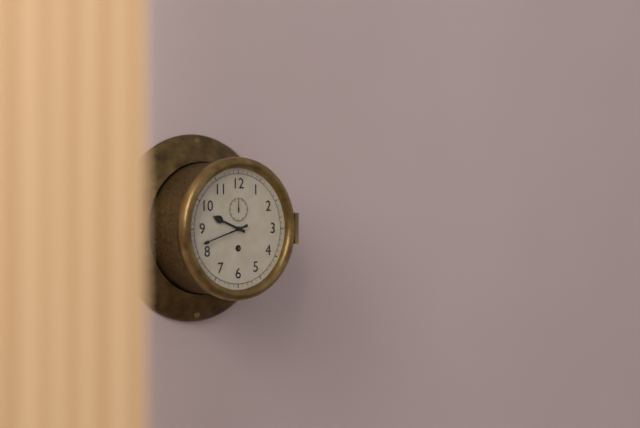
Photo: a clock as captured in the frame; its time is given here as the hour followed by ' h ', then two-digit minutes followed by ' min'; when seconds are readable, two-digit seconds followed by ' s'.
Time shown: 9 h 42 min
